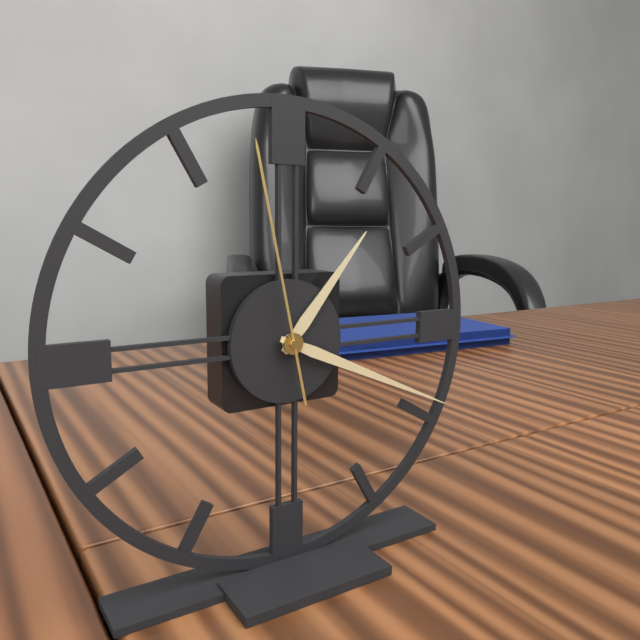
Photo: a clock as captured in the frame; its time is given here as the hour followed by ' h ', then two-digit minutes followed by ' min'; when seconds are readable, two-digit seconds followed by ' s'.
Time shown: 1 h 19 min 58 s
